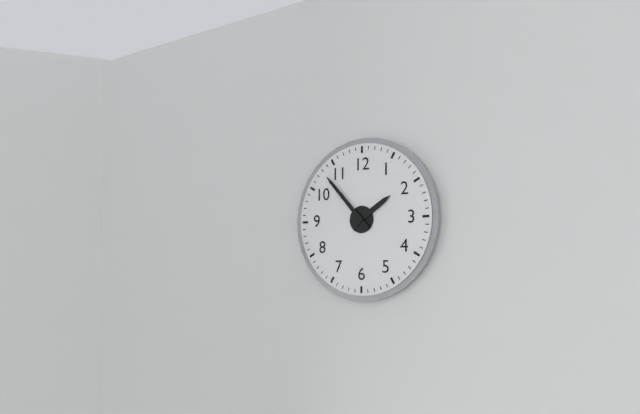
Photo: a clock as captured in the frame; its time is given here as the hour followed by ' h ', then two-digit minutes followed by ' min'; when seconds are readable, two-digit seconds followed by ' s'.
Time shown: 1 h 53 min
